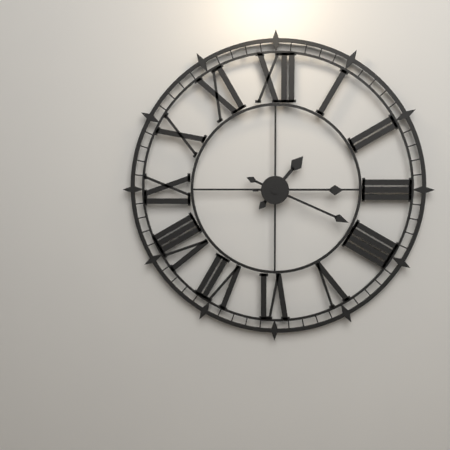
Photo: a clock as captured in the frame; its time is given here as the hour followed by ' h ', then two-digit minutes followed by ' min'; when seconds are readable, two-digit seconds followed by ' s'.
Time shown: 1 h 19 min 15 s
